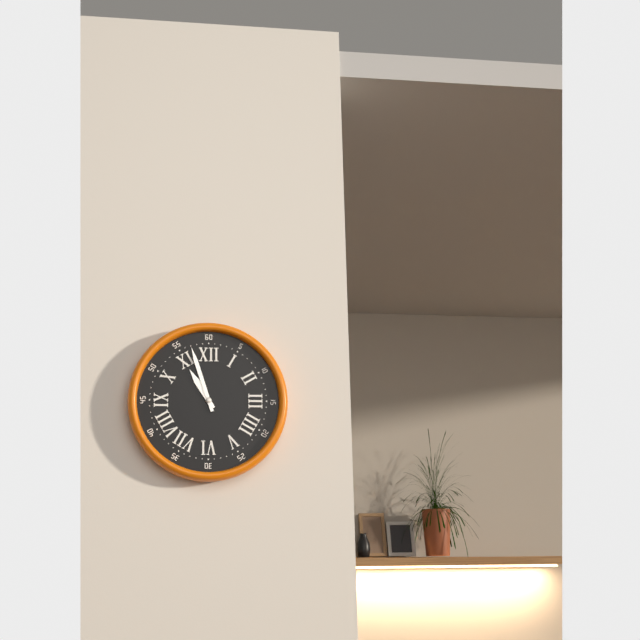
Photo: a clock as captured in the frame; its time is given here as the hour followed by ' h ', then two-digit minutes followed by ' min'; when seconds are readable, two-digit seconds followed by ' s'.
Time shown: 10 h 57 min
